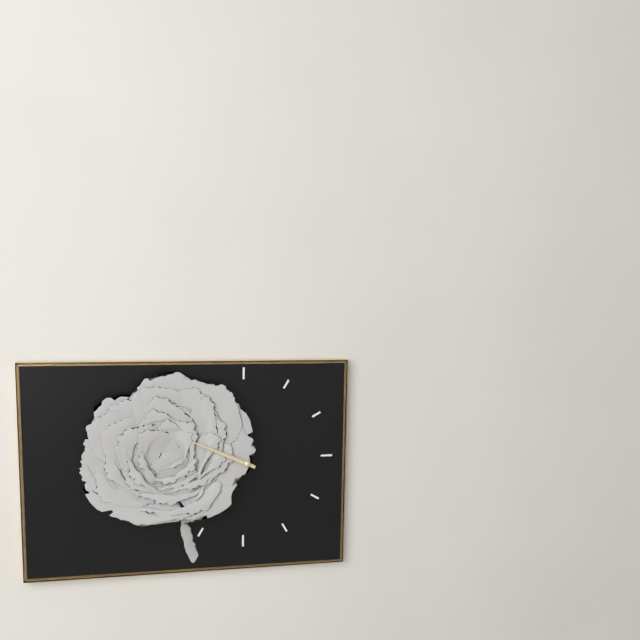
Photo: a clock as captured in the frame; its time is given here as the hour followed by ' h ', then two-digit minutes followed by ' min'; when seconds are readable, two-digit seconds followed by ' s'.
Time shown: 9 h 49 min
